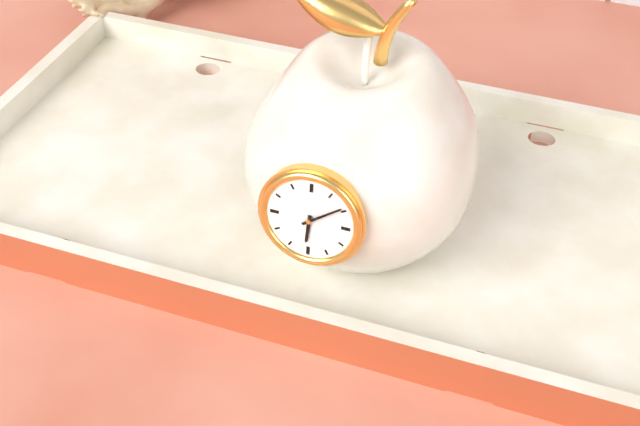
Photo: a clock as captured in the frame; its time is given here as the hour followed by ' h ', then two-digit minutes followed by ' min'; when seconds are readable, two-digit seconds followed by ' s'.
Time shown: 6 h 09 min
